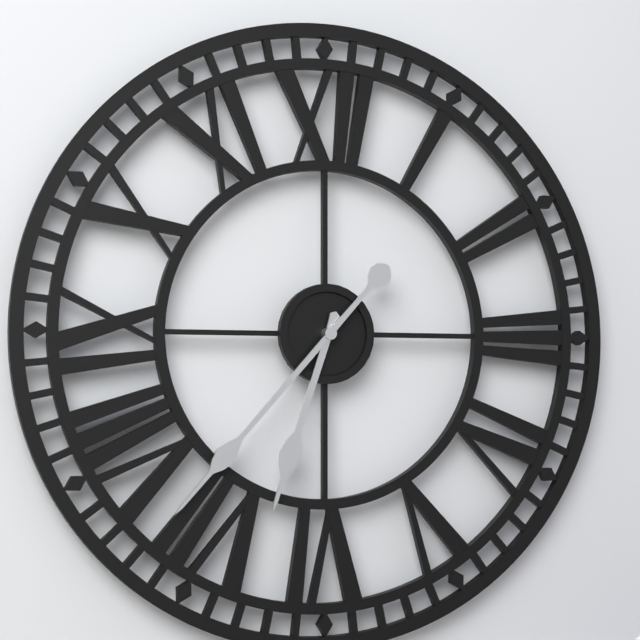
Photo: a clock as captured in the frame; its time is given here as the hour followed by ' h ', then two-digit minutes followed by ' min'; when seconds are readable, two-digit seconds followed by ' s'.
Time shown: 6 h 37 min
